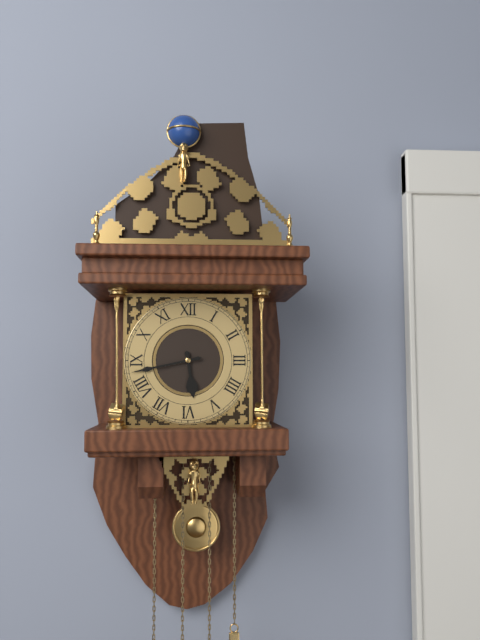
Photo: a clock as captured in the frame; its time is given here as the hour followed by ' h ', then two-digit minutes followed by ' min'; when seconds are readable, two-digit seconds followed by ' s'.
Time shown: 5 h 43 min
